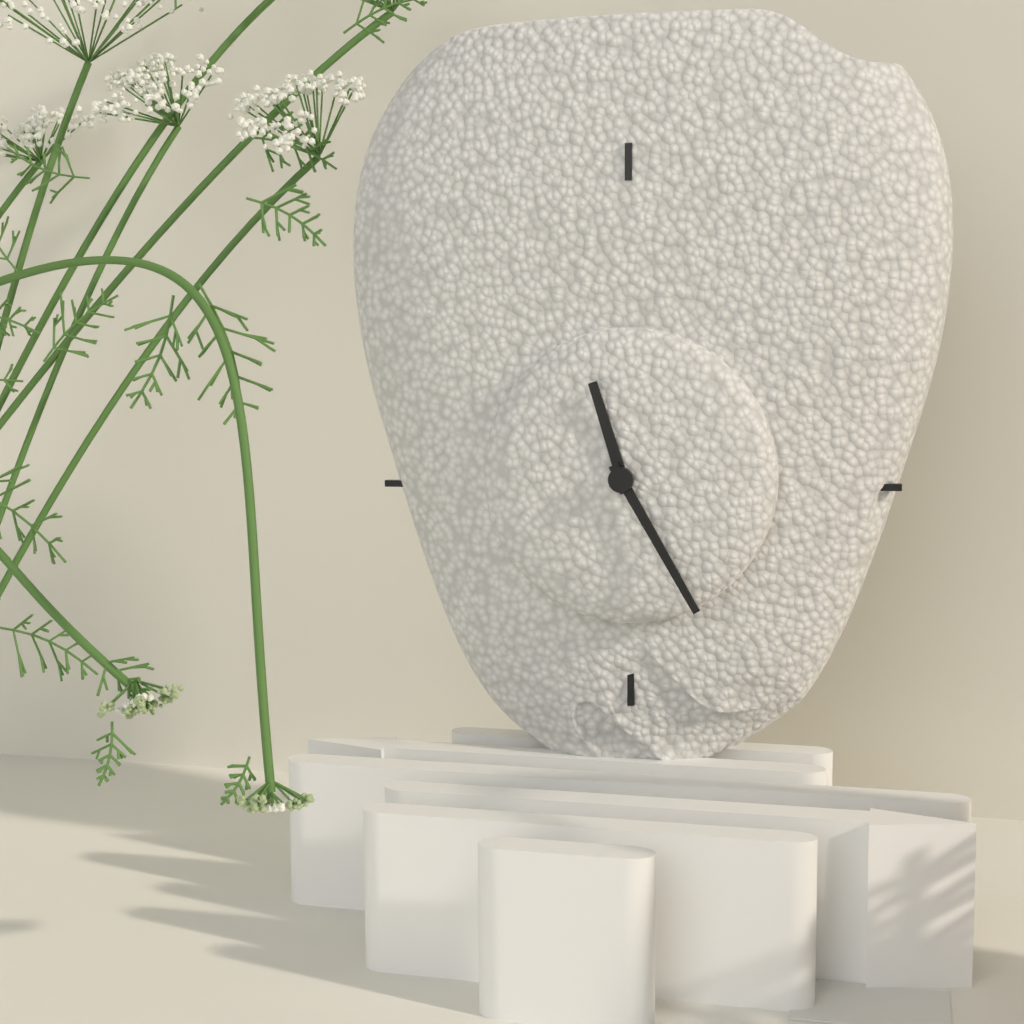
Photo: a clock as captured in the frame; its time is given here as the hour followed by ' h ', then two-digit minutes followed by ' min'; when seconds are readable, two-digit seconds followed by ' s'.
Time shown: 11 h 25 min
